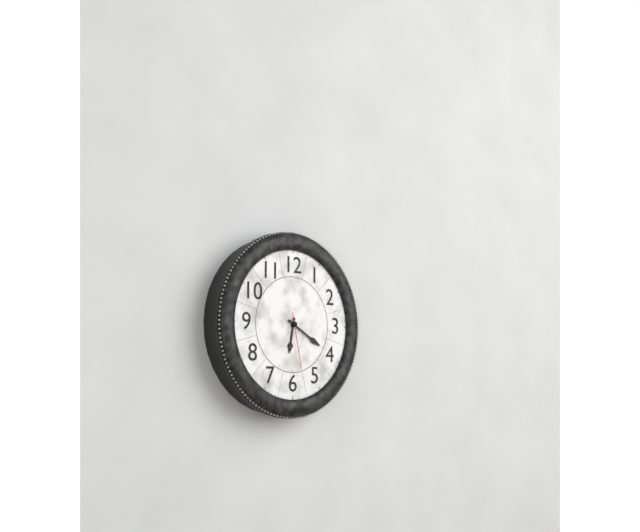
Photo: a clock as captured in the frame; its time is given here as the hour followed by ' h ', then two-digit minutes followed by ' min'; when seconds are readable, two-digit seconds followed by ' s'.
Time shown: 6 h 20 min 28 s
